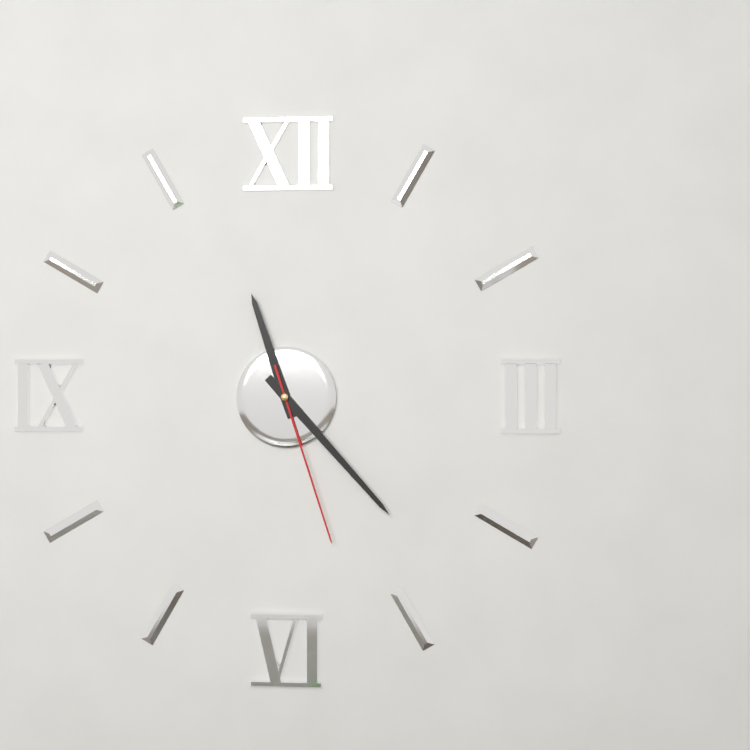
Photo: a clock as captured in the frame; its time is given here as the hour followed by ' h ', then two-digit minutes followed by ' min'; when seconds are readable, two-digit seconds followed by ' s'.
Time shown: 11 h 23 min 27 s
